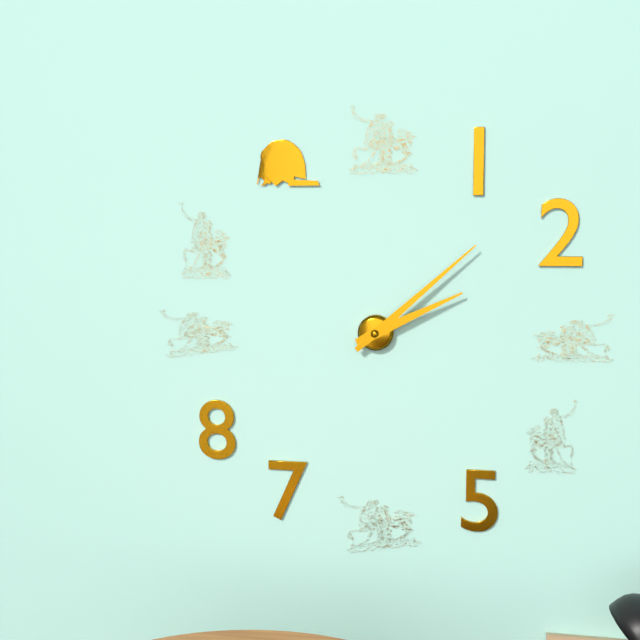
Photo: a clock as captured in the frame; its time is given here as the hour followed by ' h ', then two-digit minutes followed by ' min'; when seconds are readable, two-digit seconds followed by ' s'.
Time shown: 2 h 08 min
